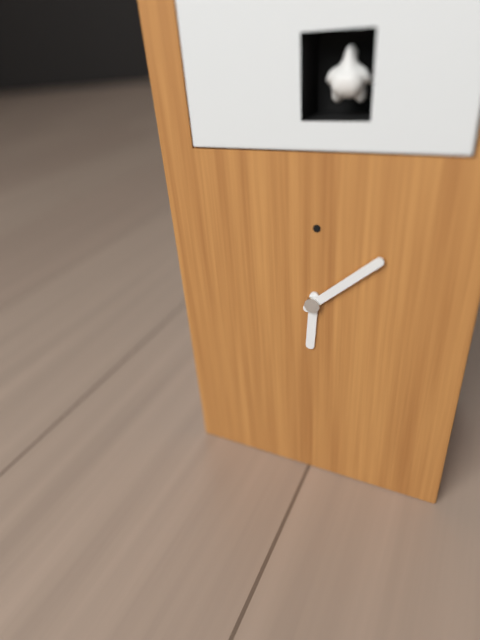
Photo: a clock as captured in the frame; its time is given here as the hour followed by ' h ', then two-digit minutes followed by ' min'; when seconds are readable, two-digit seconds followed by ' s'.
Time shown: 6 h 08 min
